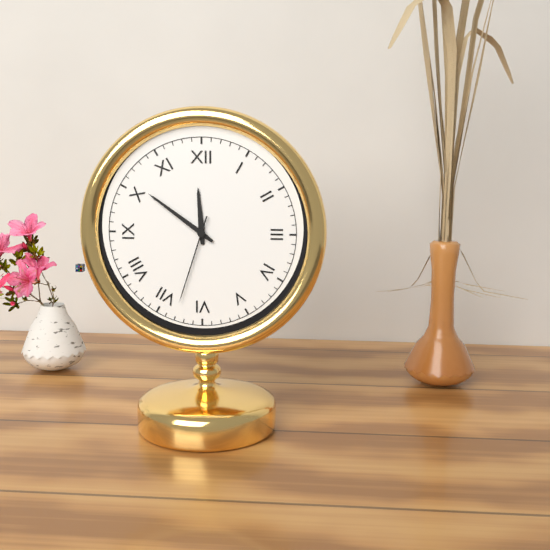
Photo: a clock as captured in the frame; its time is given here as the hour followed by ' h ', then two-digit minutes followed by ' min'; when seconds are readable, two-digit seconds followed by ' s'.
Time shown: 11 h 51 min 33 s
